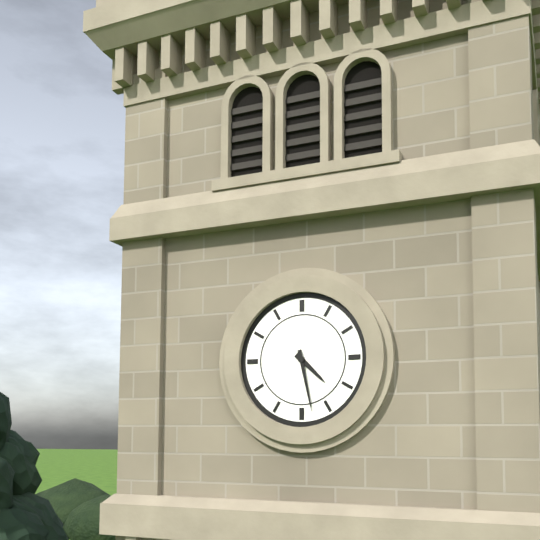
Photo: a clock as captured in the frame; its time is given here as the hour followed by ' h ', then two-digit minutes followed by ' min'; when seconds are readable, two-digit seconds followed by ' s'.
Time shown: 4 h 28 min
